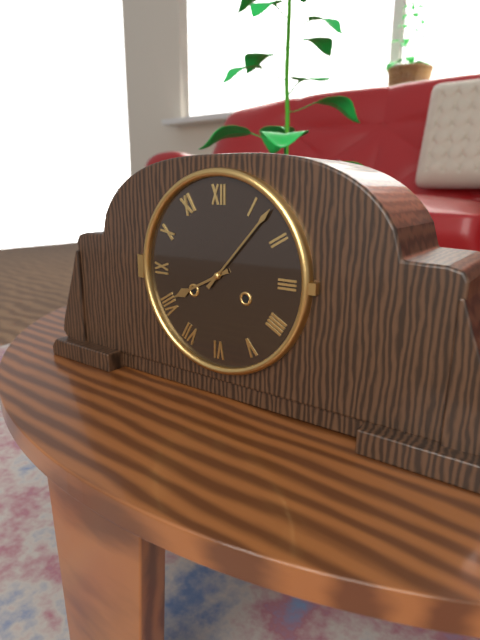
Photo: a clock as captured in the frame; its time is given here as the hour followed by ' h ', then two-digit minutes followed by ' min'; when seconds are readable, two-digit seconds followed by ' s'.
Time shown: 8 h 07 min
